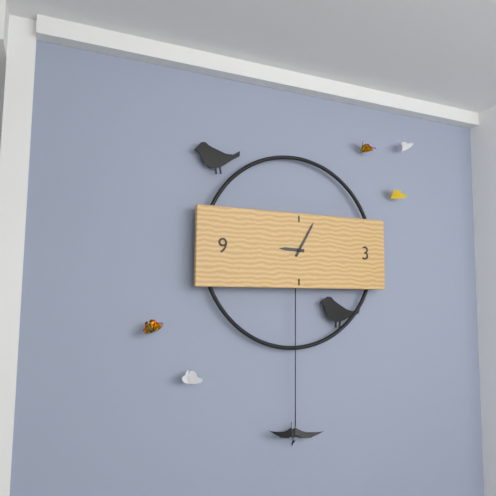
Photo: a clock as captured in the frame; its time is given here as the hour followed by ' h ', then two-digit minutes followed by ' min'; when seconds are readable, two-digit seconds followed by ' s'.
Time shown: 9 h 05 min
